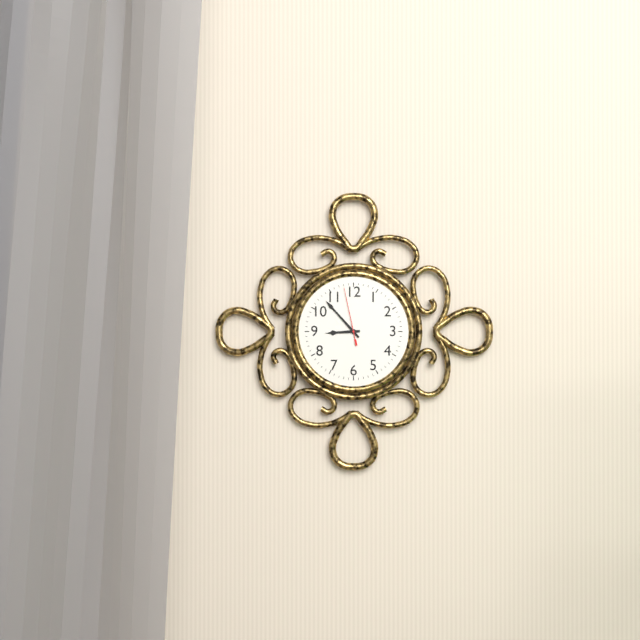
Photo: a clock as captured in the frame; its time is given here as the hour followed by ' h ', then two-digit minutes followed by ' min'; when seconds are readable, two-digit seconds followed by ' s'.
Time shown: 8 h 53 min 58 s
